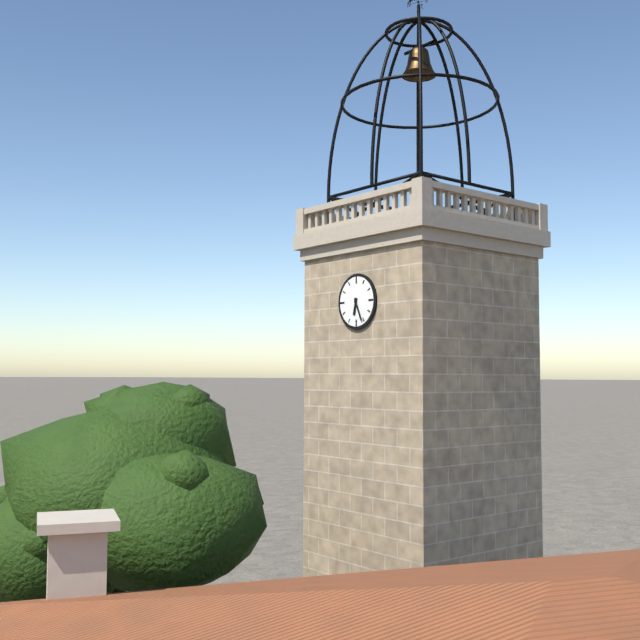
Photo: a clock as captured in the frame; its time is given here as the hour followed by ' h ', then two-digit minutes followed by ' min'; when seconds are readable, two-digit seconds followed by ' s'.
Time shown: 6 h 26 min
